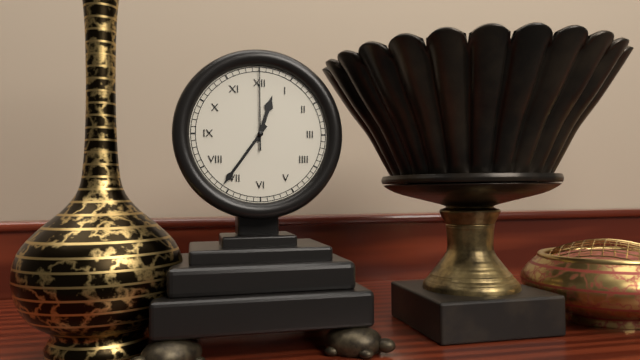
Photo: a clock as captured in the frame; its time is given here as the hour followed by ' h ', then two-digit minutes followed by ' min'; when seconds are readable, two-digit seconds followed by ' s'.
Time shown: 12 h 36 min 00 s
